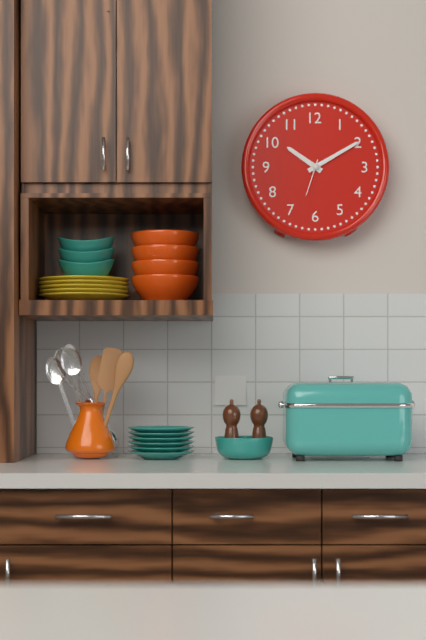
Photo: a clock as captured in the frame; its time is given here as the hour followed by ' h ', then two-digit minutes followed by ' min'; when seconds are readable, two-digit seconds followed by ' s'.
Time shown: 10 h 10 min
